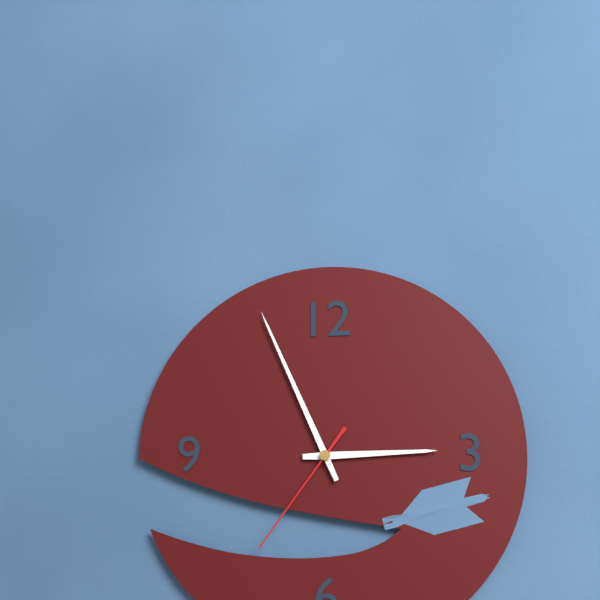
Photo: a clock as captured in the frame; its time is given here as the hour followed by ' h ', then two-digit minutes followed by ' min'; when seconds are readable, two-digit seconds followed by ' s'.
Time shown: 2 h 56 min 36 s
